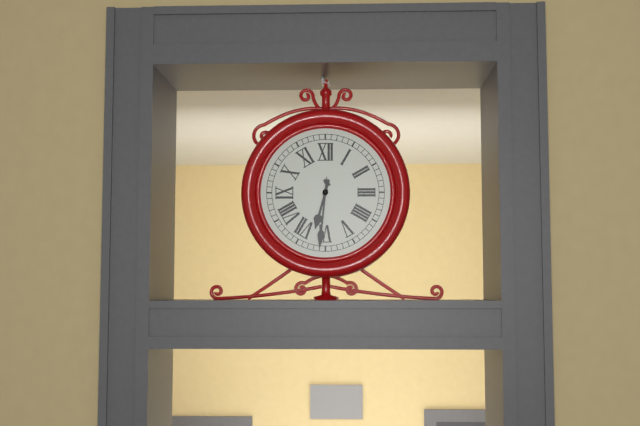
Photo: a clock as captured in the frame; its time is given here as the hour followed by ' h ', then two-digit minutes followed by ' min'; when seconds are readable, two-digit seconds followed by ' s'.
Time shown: 6 h 31 min
